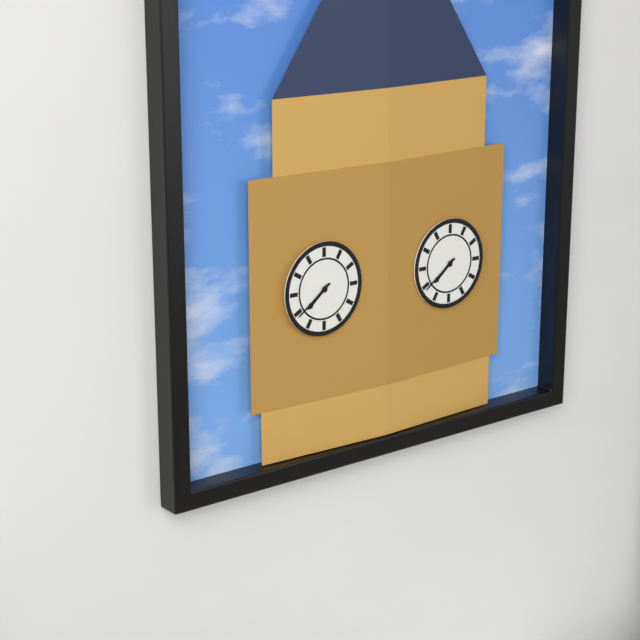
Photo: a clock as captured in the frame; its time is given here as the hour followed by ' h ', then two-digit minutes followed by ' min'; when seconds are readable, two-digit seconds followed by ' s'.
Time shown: 7 h 39 min
